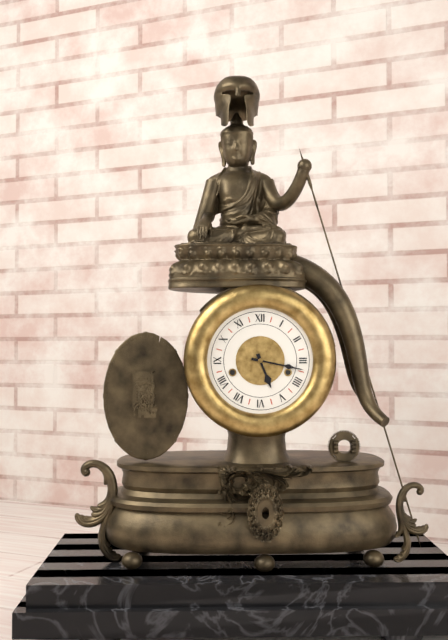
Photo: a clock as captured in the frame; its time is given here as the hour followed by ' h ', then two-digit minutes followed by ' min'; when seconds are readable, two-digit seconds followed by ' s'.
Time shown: 5 h 17 min
